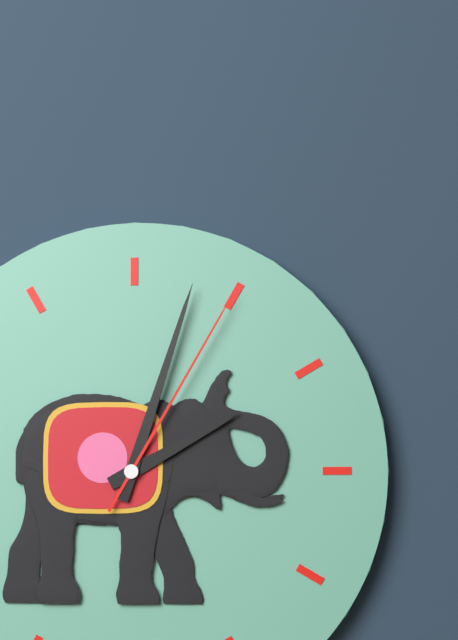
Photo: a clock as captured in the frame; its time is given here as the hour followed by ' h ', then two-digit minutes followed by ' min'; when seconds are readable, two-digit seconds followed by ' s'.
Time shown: 2 h 03 min 05 s
